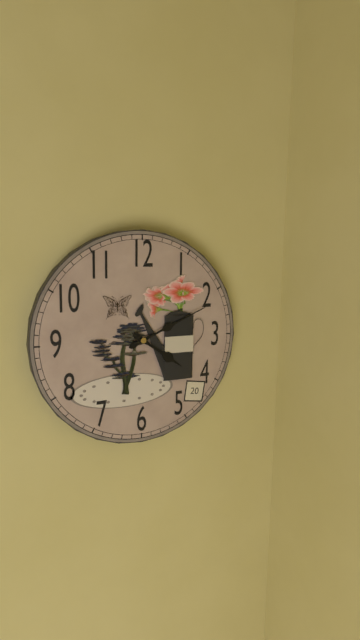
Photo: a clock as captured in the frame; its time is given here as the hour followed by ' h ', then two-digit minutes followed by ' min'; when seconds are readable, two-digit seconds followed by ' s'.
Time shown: 4 h 11 min
